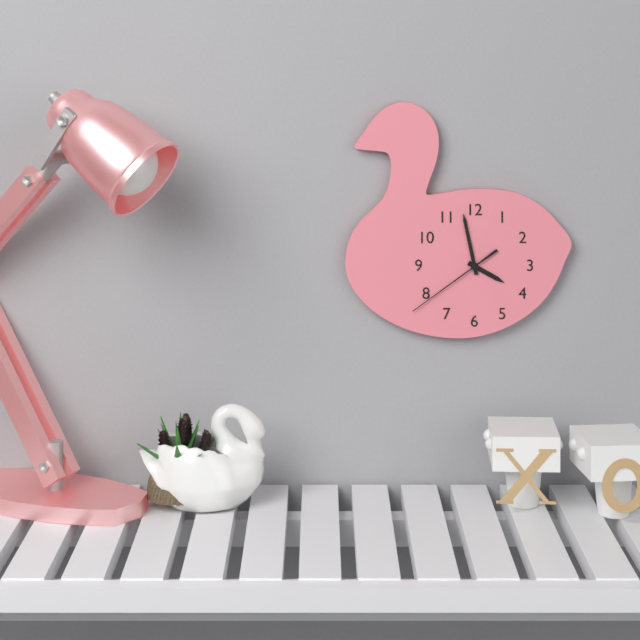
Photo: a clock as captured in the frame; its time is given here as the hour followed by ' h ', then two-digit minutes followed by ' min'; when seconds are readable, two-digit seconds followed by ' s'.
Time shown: 3 h 58 min 39 s
